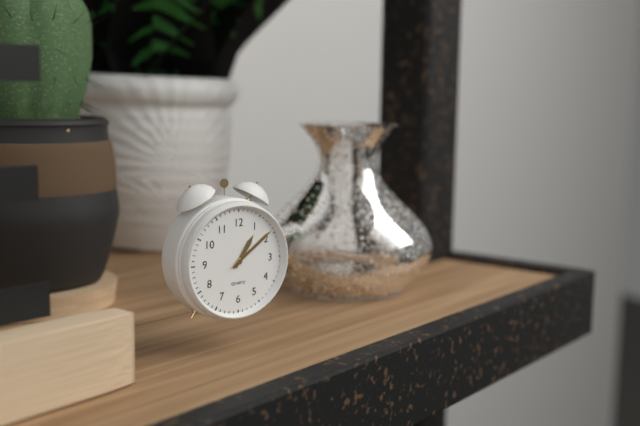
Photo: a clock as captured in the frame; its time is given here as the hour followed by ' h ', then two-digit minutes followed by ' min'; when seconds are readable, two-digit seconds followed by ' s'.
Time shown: 1 h 09 min
